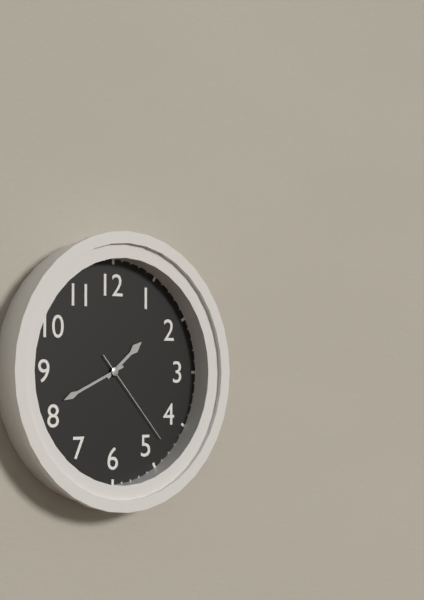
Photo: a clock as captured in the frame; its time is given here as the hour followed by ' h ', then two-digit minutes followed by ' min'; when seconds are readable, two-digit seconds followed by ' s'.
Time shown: 1 h 41 min 23 s
